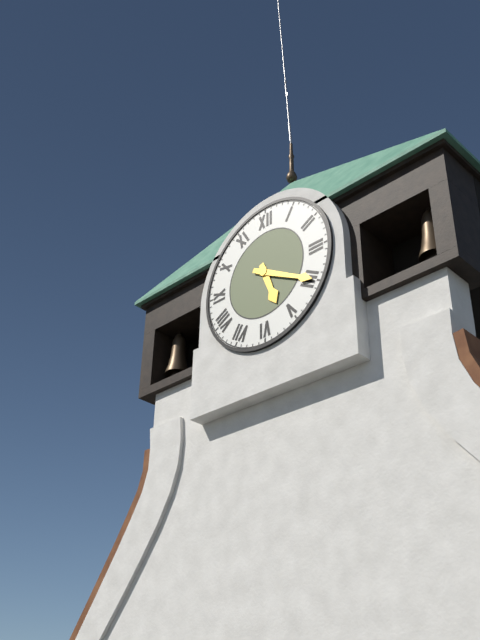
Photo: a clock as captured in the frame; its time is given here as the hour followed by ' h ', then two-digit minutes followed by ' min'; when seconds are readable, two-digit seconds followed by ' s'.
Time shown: 5 h 20 min
